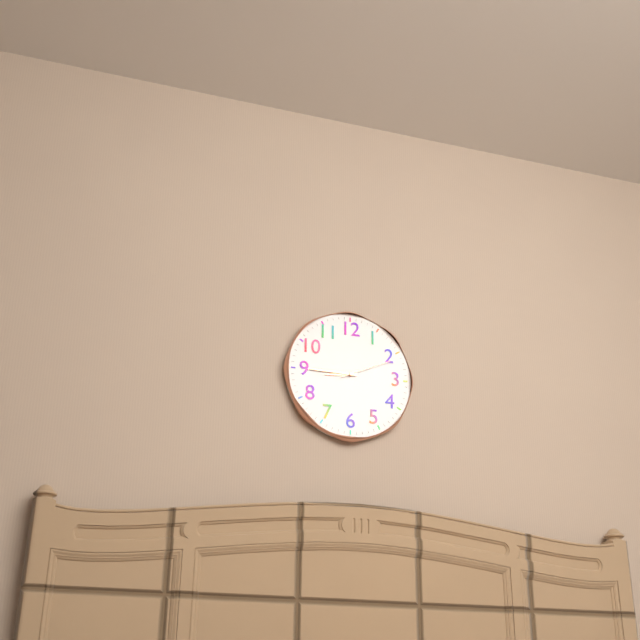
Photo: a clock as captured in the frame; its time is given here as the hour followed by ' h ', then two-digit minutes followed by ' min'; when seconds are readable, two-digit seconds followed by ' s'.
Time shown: 8 h 45 min 11 s
